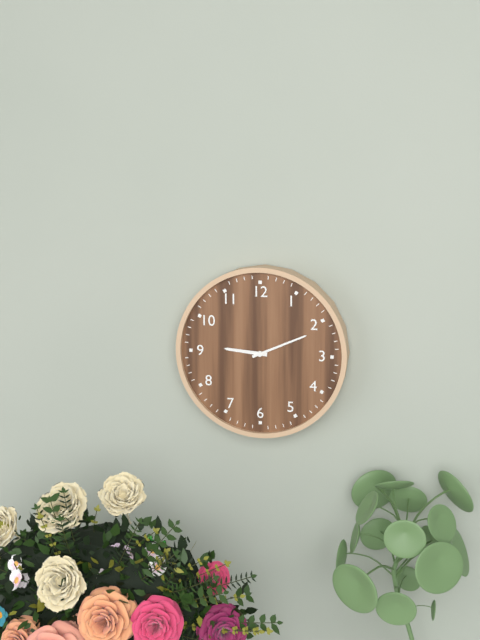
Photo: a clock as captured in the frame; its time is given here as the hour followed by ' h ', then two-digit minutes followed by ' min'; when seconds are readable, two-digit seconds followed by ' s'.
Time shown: 9 h 11 min
